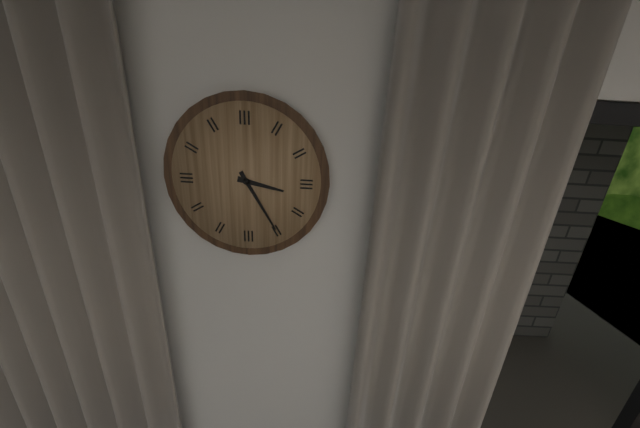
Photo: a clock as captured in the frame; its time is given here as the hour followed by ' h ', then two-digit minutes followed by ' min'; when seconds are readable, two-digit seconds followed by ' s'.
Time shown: 3 h 25 min
